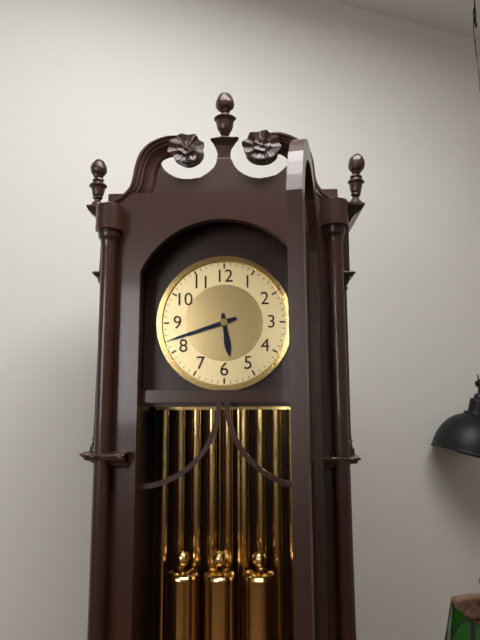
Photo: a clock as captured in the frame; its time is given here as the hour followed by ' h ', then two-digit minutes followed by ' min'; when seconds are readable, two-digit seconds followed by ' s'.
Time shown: 5 h 42 min
